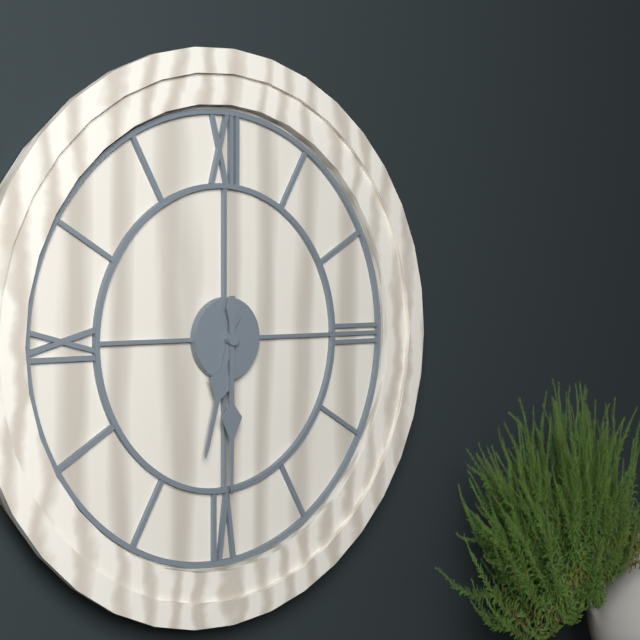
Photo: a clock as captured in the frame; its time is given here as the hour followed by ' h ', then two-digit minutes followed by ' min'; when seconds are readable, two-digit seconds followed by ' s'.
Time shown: 6 h 30 min
